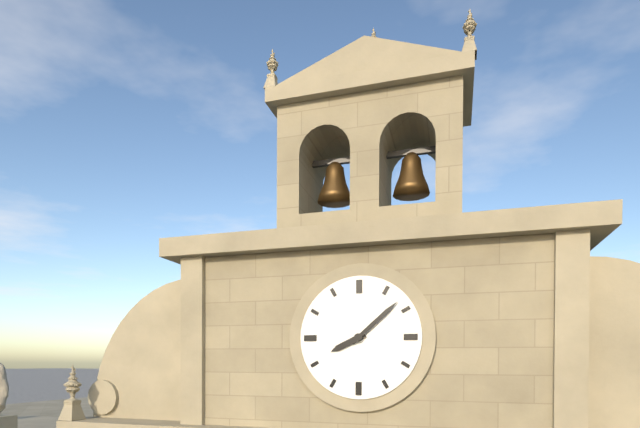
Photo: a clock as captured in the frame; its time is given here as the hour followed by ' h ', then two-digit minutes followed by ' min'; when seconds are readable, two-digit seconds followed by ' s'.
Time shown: 8 h 08 min
